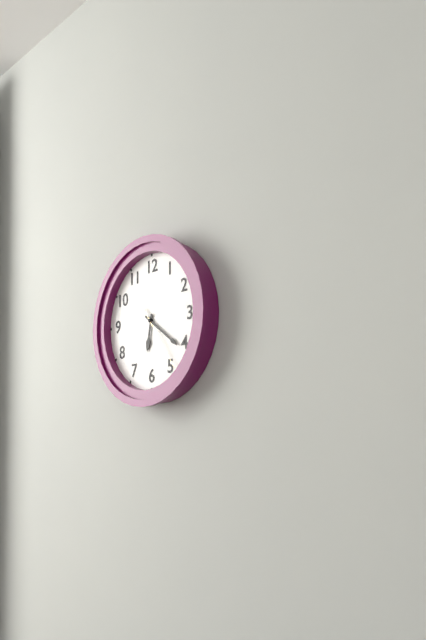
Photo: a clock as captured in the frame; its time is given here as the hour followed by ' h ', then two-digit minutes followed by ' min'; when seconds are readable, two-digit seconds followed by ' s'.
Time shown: 6 h 21 min 24 s
